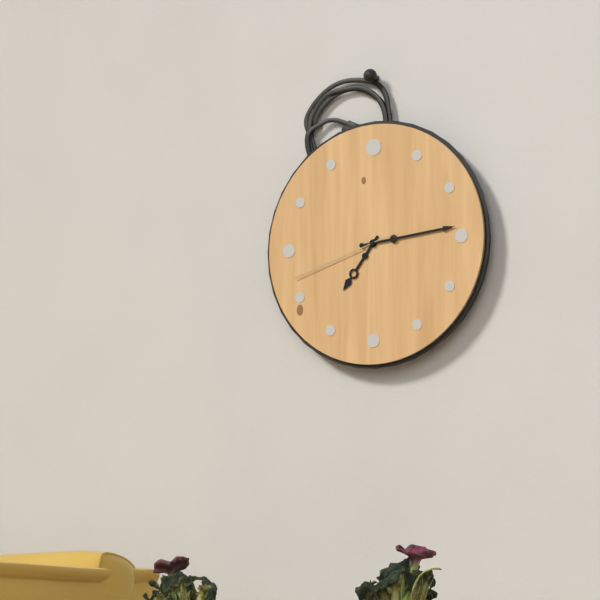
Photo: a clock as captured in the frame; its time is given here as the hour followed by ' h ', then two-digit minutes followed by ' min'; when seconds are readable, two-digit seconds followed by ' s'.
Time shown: 7 h 14 min 42 s
